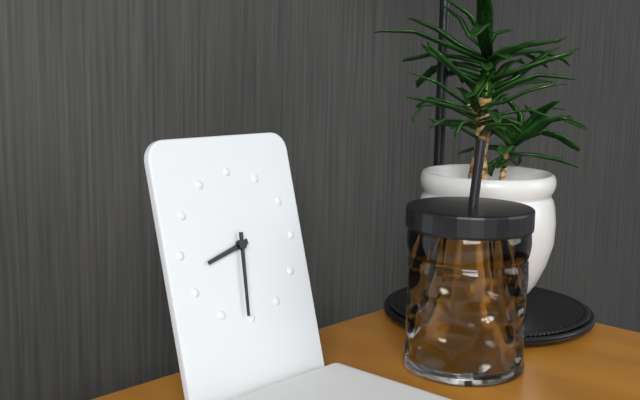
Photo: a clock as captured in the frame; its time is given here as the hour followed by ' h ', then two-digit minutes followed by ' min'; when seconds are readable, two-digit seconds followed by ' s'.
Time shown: 8 h 31 min
